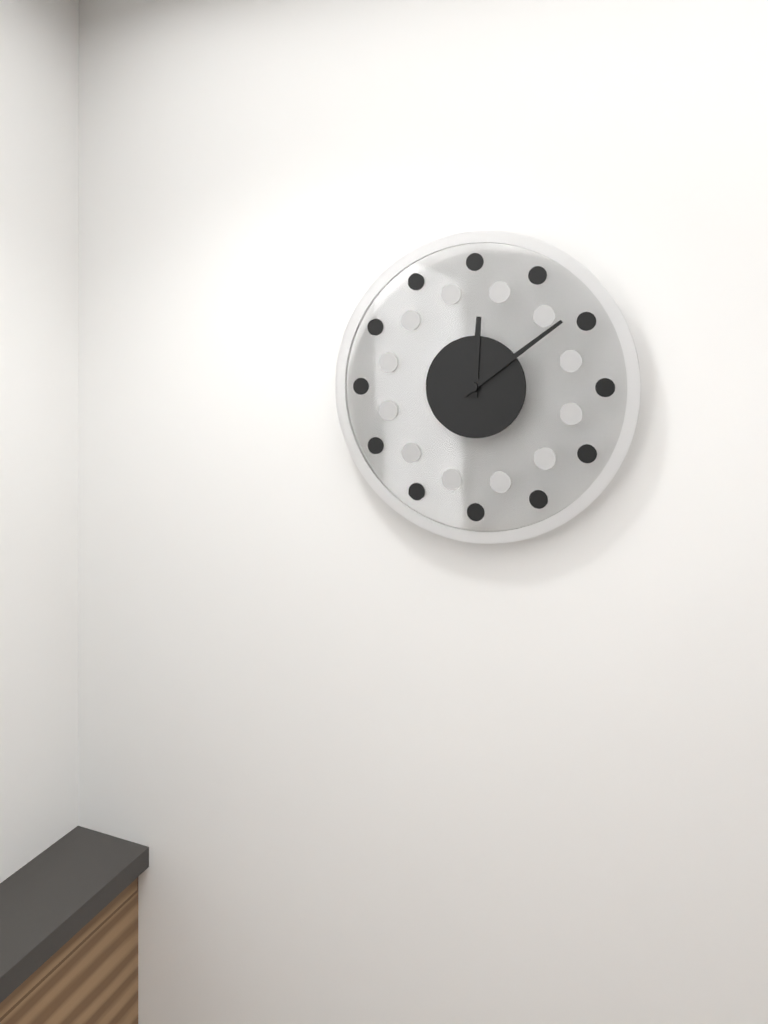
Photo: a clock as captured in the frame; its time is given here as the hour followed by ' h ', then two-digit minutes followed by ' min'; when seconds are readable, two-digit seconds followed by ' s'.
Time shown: 12 h 09 min
